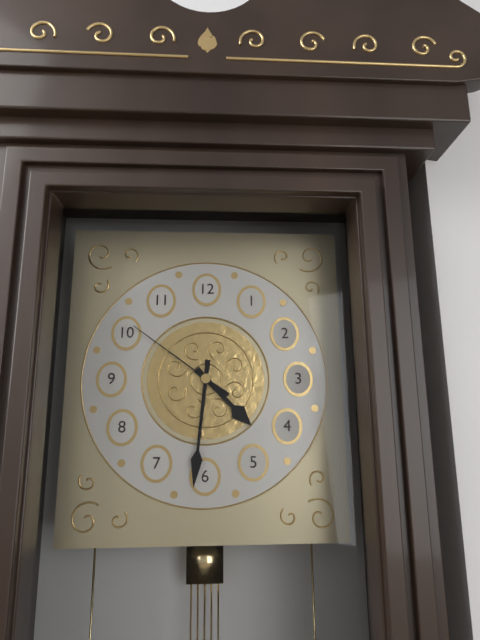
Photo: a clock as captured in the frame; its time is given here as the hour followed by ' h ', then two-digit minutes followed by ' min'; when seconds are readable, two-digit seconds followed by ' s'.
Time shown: 4 h 31 min 51 s
